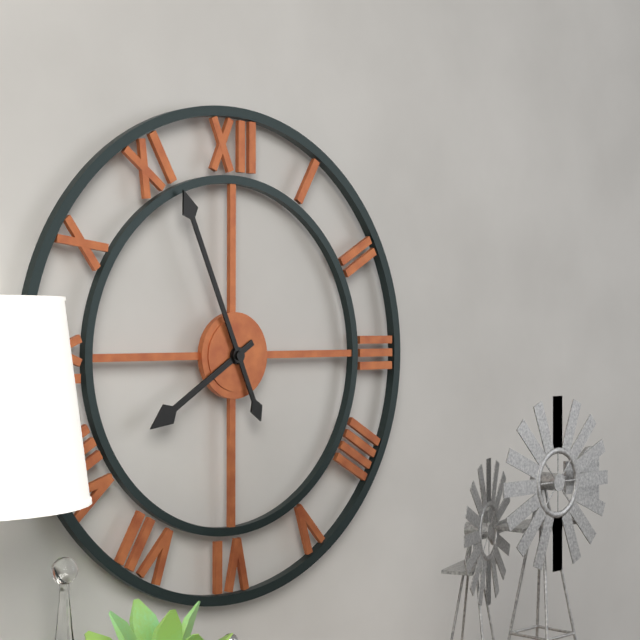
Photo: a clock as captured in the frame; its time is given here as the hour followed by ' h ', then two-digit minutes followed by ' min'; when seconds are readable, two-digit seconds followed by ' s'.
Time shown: 7 h 56 min
